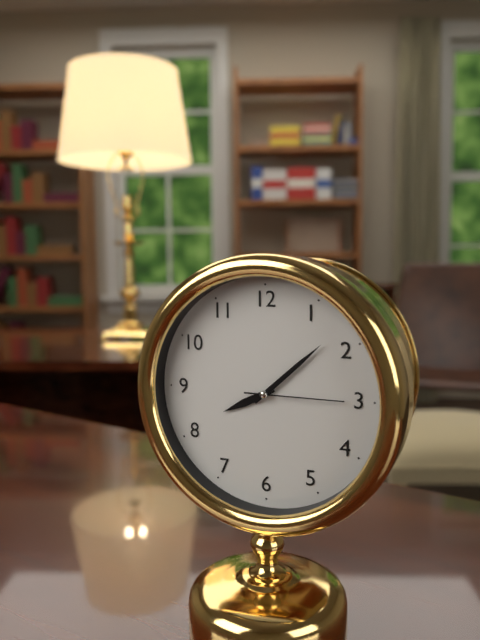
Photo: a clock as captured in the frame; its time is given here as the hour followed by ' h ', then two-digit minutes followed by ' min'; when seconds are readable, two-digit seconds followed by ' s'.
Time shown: 8 h 08 min 15 s
